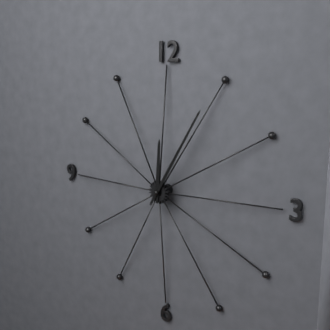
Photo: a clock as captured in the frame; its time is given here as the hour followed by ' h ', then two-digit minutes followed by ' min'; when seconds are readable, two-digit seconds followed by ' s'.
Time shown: 12 h 05 min
